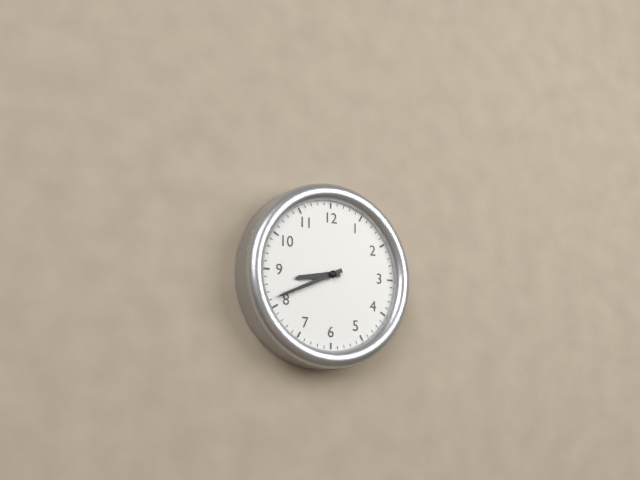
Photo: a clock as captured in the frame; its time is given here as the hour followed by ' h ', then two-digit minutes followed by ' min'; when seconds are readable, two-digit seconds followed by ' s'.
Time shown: 8 h 41 min
